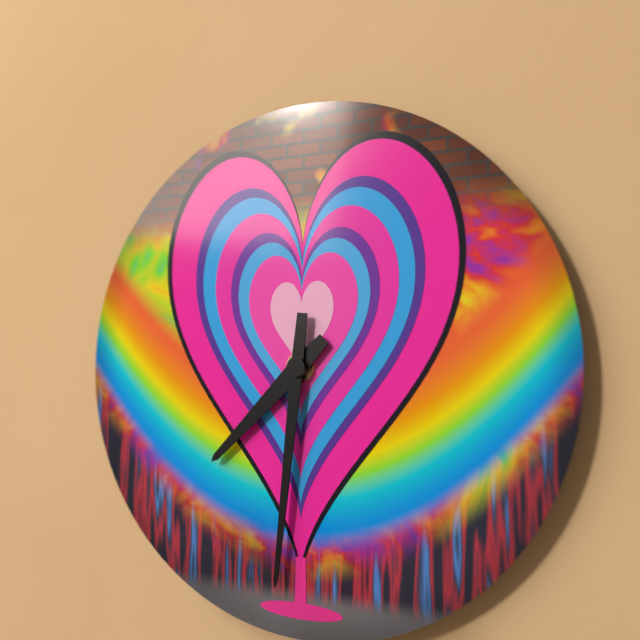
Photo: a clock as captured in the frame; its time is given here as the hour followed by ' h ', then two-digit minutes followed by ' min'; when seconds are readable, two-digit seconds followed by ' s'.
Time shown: 7 h 31 min
